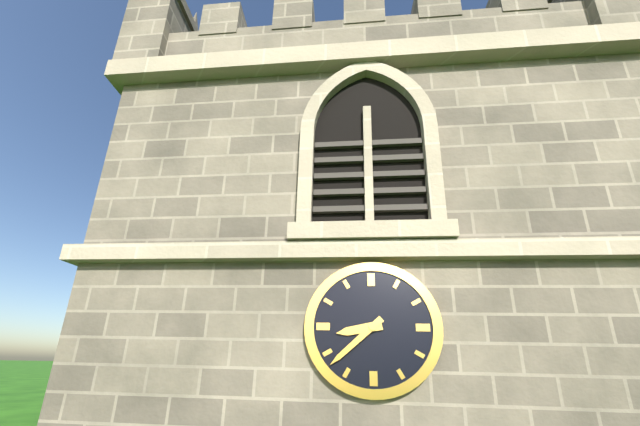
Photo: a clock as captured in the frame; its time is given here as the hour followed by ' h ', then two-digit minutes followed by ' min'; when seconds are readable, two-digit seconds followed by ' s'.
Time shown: 8 h 38 min
